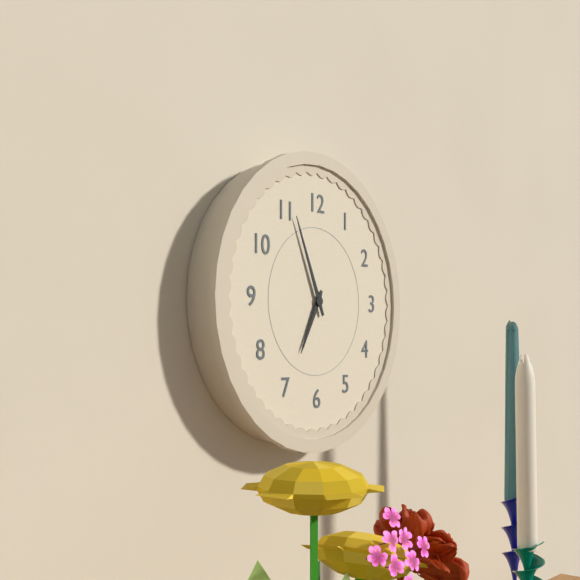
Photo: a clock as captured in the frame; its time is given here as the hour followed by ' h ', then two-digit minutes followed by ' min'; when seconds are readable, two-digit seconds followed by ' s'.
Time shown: 6 h 56 min
